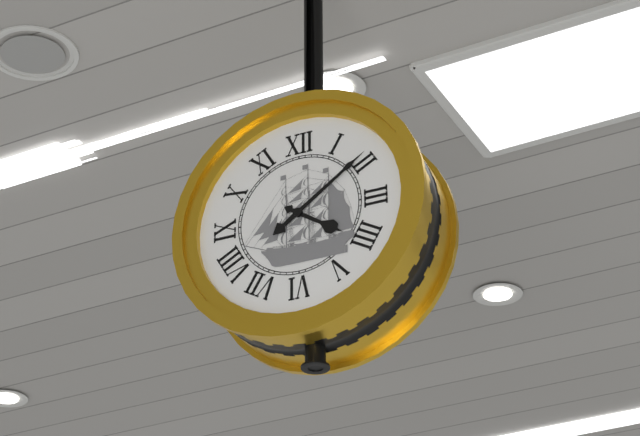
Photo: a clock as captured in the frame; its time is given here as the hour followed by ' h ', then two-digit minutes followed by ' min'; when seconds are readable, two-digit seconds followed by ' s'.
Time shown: 4 h 09 min
